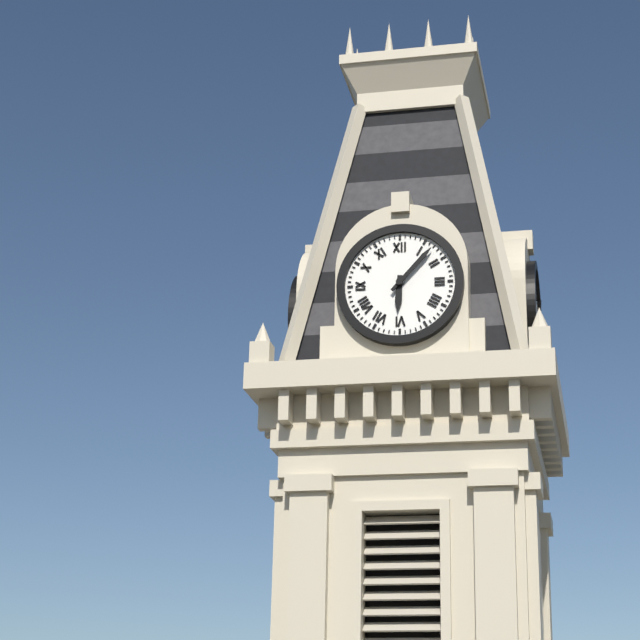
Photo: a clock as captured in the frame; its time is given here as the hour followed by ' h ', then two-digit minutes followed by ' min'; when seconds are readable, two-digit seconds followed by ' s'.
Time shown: 6 h 07 min
